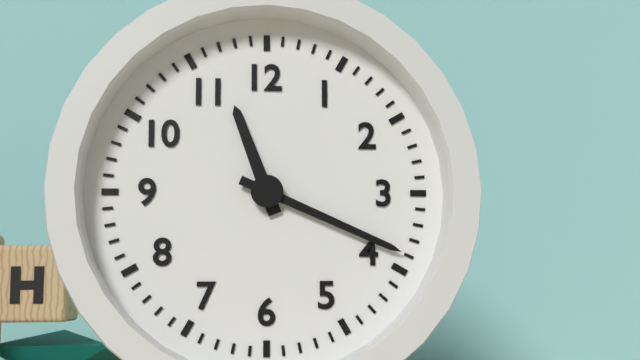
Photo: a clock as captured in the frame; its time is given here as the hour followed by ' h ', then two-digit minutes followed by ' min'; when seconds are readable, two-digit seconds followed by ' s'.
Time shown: 11 h 19 min
